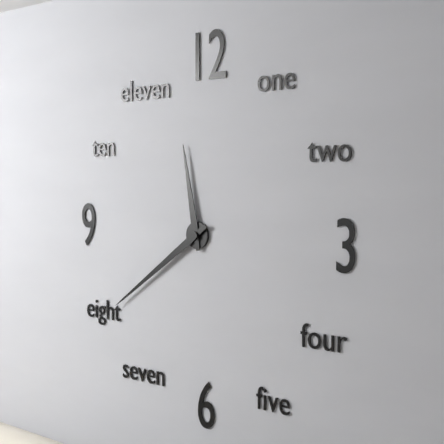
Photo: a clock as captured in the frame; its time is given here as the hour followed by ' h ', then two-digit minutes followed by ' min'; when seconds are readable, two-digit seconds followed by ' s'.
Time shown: 11 h 39 min
